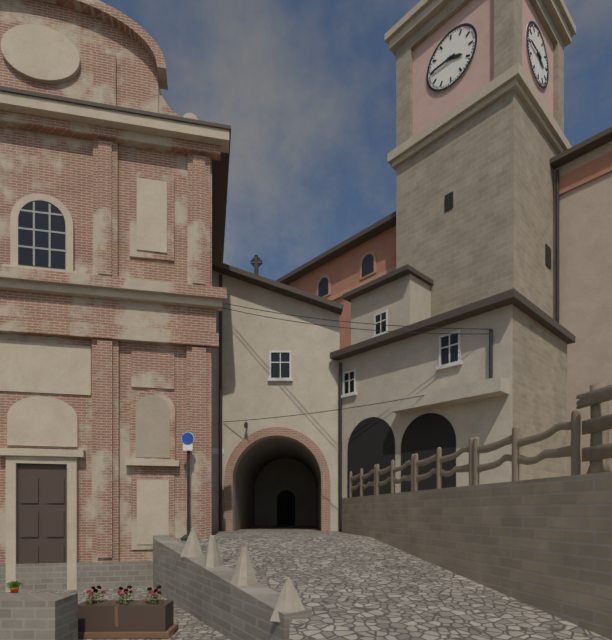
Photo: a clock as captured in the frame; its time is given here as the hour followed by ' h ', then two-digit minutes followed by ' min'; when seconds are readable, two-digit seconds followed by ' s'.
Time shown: 3 h 45 min
